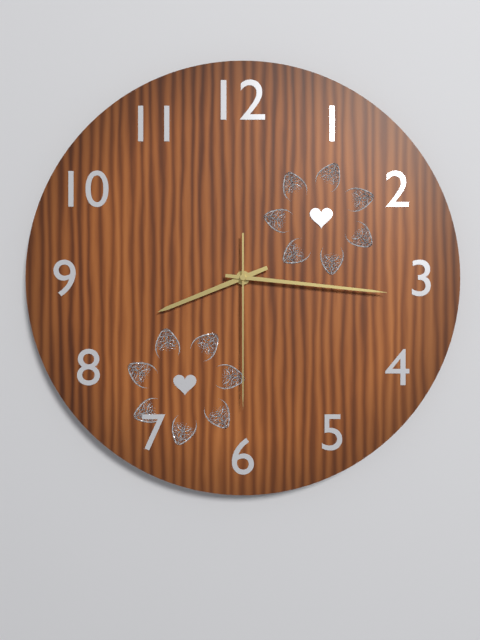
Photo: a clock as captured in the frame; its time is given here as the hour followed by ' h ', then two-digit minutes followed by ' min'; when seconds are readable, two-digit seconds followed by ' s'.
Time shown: 8 h 16 min 30 s
